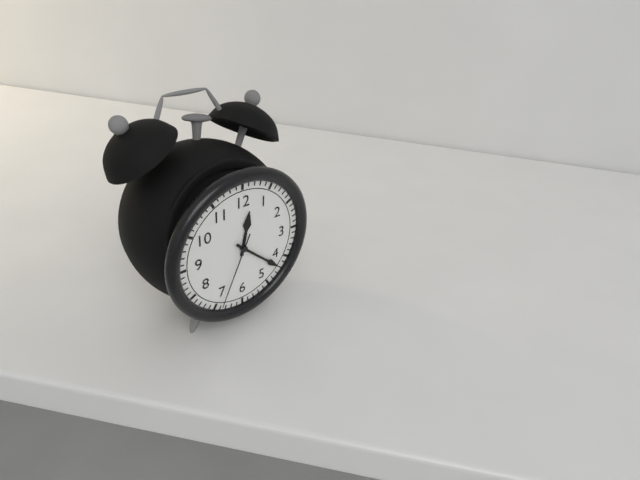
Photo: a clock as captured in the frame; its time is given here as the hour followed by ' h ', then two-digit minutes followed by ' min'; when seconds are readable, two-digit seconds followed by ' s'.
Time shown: 12 h 22 min 34 s
